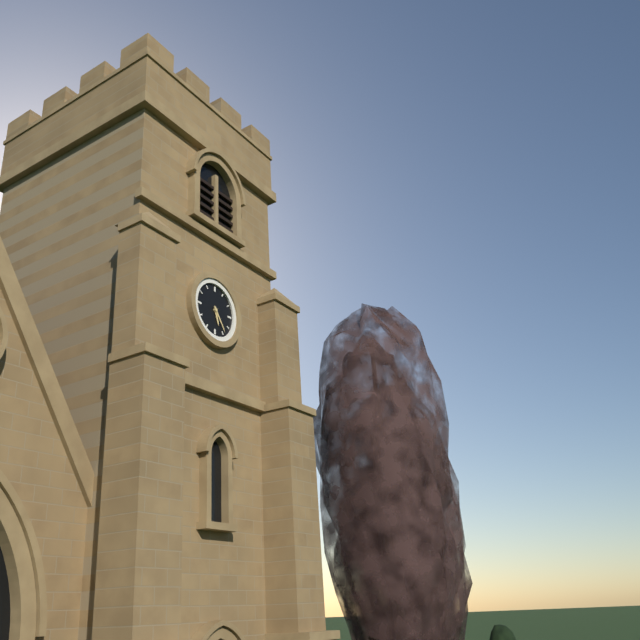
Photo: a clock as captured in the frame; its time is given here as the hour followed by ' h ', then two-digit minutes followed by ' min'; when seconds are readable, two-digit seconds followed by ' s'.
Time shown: 5 h 24 min
